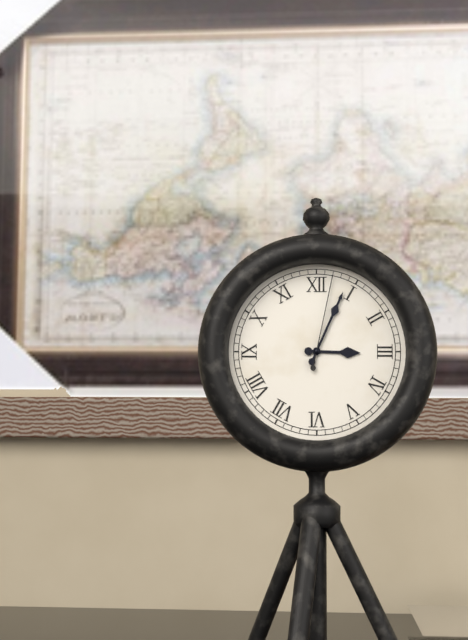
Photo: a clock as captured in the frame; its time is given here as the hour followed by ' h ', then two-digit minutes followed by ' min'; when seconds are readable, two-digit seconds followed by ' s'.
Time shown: 3 h 04 min 02 s
